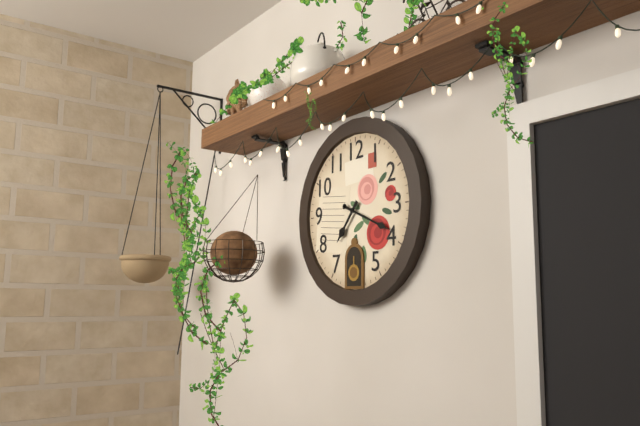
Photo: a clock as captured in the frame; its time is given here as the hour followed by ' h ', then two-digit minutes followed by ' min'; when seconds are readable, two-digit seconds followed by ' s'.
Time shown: 7 h 19 min
